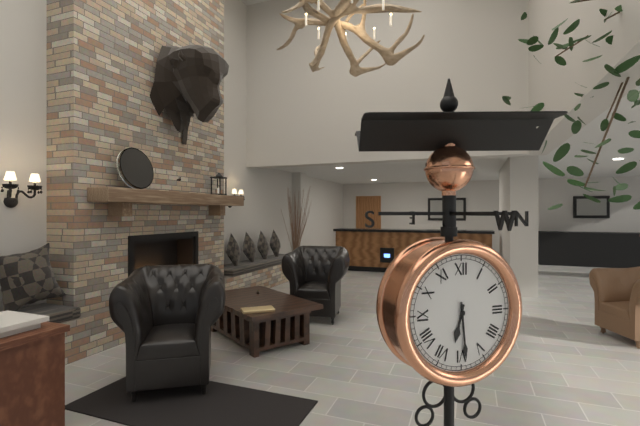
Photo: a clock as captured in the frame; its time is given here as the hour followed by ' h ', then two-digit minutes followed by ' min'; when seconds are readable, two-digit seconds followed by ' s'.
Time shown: 6 h 29 min
